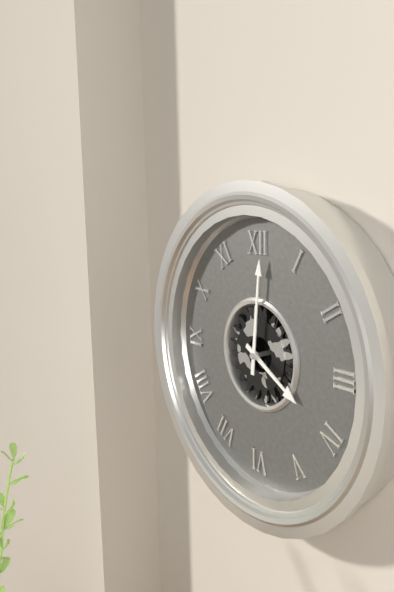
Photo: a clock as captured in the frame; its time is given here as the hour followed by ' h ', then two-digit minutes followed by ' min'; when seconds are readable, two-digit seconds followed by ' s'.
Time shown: 4 h 01 min
